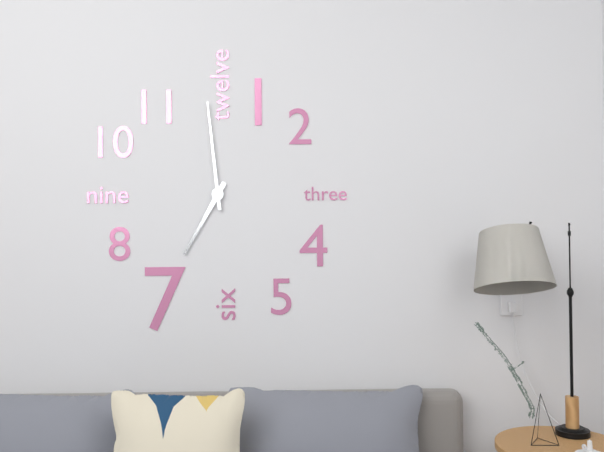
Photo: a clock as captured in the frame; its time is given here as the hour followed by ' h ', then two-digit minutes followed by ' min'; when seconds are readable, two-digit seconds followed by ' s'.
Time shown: 6 h 59 min
